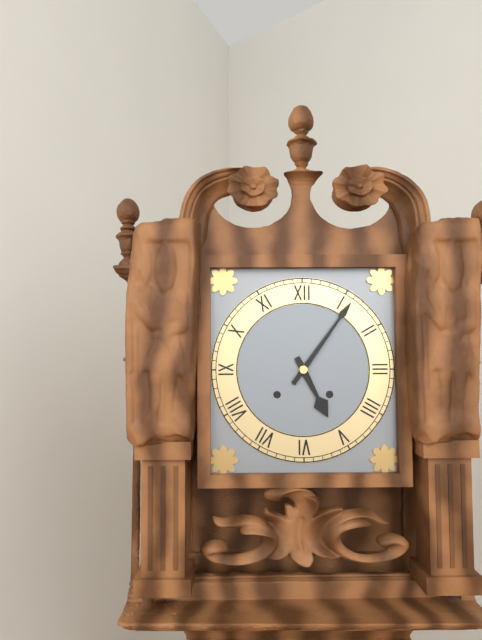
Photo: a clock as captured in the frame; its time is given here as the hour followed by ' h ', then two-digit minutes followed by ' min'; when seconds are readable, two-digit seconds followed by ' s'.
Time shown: 5 h 06 min
